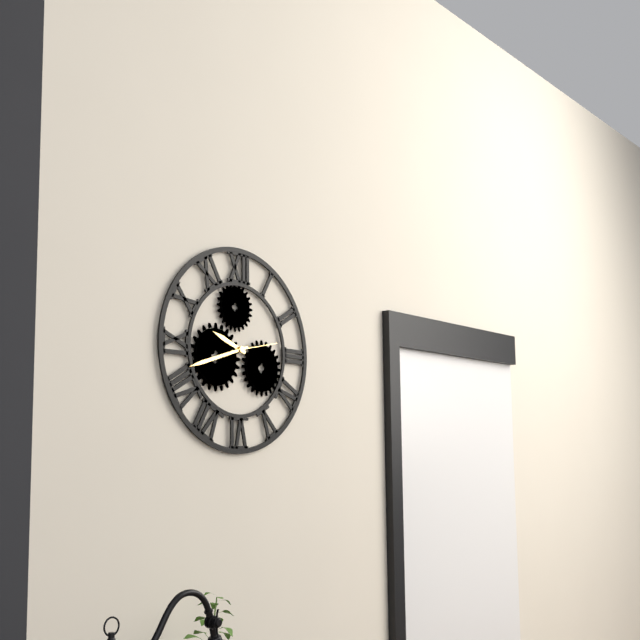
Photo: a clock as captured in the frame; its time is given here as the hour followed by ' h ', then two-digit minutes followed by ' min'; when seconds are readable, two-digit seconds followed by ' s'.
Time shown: 9 h 42 min
